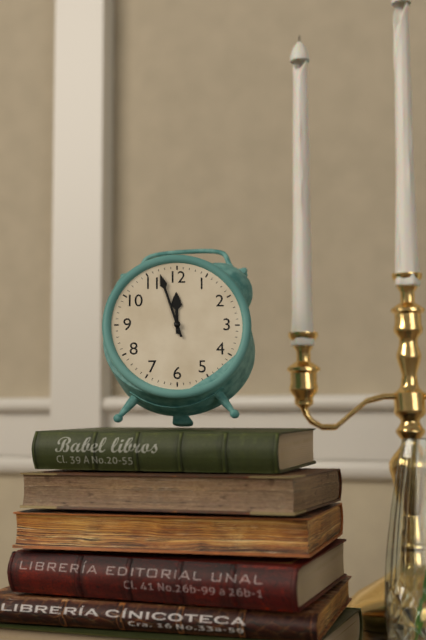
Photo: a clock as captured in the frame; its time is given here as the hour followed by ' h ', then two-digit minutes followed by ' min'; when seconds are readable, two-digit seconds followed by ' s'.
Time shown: 11 h 57 min
